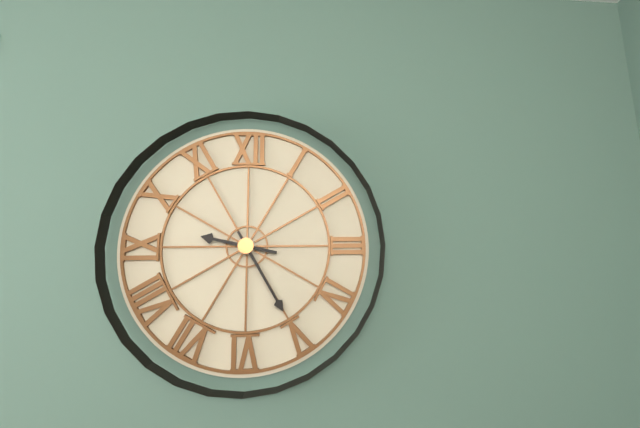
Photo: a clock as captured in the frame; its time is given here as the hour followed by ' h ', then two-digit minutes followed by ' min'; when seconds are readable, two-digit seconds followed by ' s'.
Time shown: 9 h 25 min
